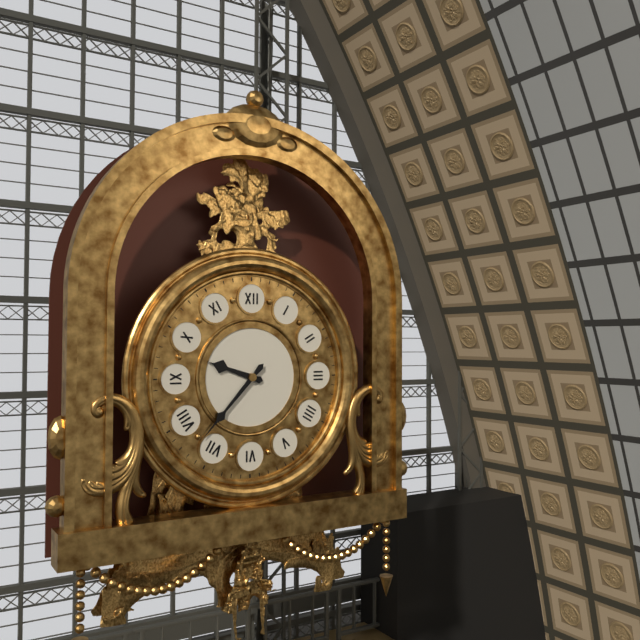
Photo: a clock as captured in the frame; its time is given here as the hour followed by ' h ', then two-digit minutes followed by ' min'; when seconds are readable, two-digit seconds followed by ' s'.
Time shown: 9 h 37 min
